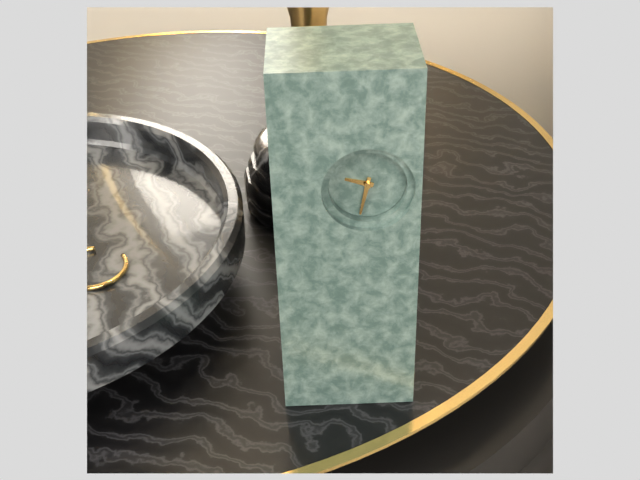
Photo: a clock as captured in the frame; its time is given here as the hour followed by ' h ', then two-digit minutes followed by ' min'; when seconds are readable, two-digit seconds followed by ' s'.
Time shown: 9 h 32 min
